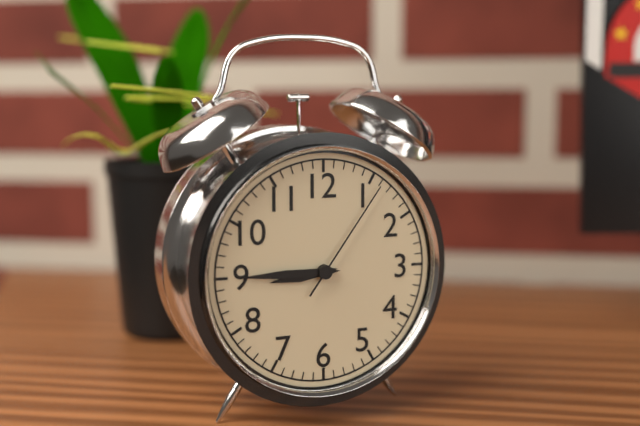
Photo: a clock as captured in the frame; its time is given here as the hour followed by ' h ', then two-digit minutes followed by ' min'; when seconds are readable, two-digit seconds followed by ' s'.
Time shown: 8 h 45 min 06 s
